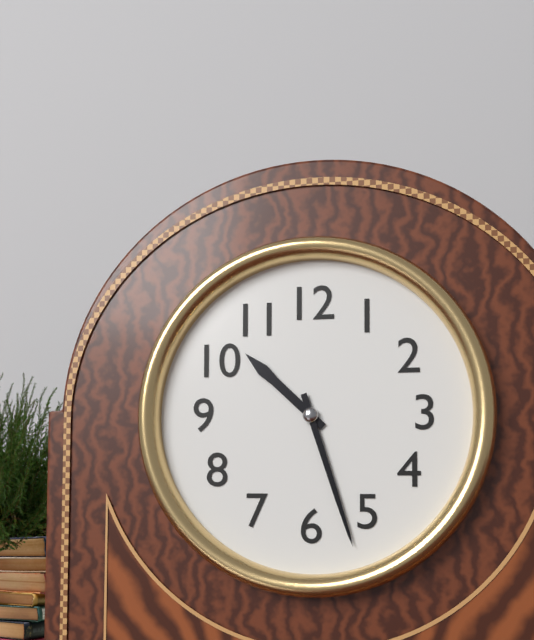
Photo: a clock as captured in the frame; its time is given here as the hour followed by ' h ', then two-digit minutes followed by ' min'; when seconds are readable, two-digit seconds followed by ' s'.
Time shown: 10 h 27 min
